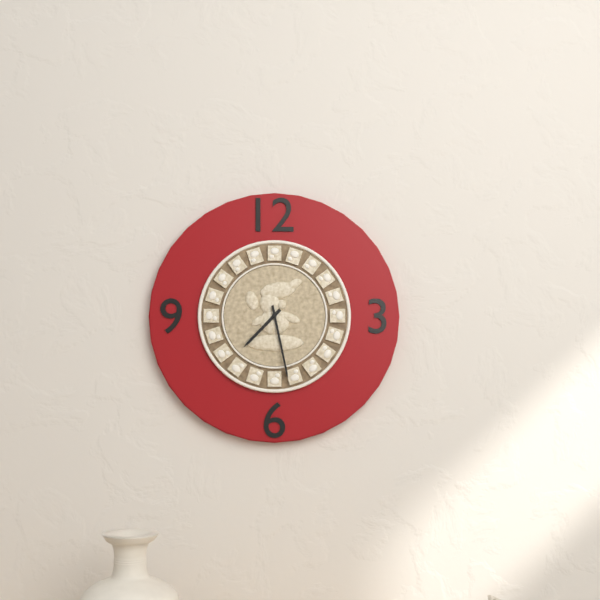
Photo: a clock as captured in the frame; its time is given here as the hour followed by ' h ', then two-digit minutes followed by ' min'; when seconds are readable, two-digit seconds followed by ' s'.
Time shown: 7 h 28 min
